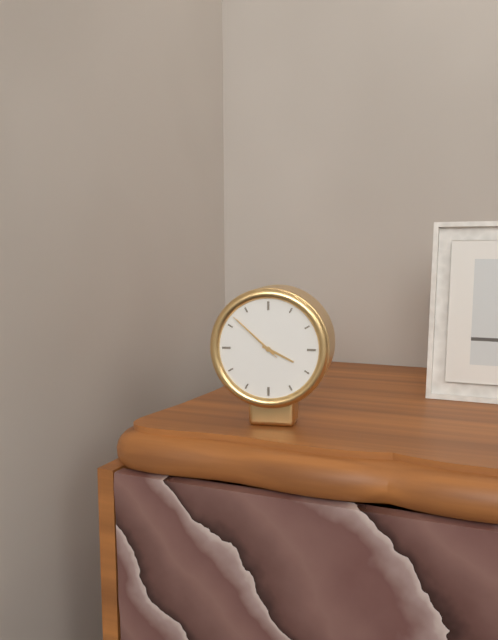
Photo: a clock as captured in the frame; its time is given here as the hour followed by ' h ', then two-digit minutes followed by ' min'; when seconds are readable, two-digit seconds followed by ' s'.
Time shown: 3 h 52 min 52 s
